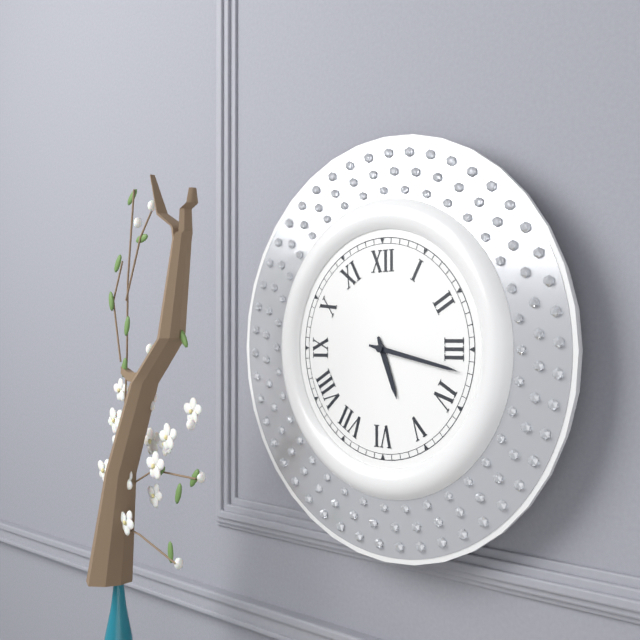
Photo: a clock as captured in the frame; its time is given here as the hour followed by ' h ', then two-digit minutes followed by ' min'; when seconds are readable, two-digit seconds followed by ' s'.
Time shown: 5 h 17 min
